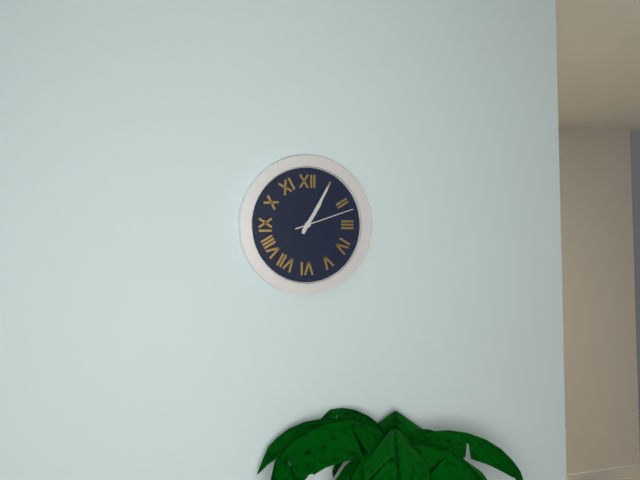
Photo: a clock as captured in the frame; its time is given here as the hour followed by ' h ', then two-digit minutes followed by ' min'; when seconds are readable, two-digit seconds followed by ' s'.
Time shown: 1 h 05 min 12 s
